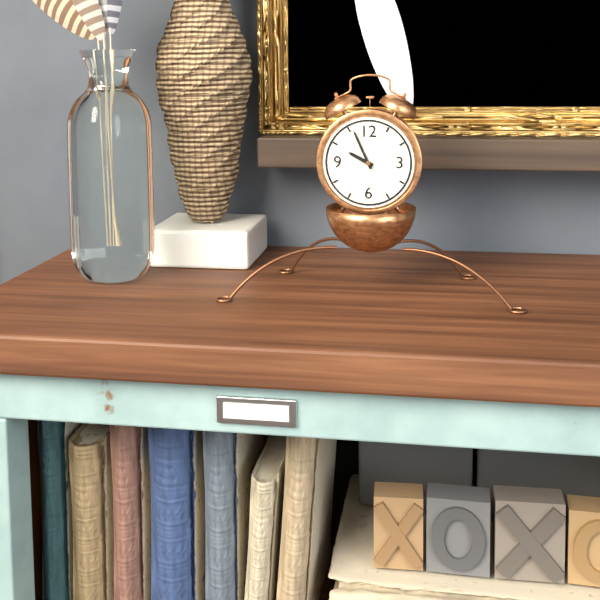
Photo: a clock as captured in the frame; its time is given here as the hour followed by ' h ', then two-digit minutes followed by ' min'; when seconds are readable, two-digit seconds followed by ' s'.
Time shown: 9 h 56 min
